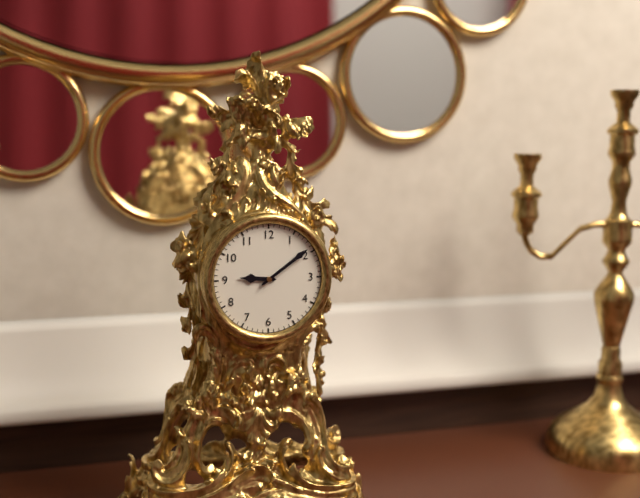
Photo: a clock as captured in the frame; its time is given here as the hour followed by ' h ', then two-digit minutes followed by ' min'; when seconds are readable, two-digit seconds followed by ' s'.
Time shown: 9 h 09 min
